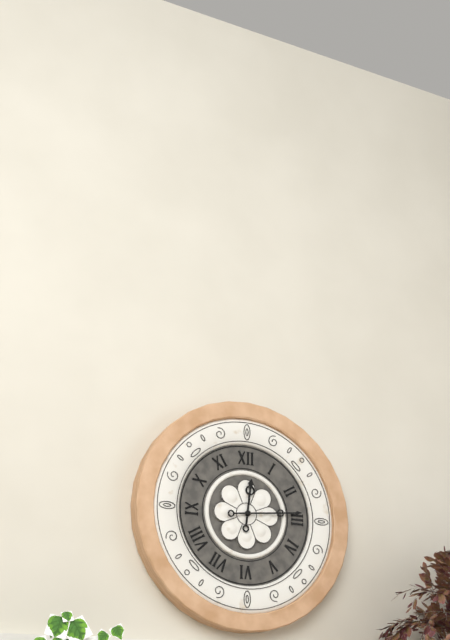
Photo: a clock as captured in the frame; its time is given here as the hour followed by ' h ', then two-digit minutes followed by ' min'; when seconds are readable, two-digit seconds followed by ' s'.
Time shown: 12 h 14 min
